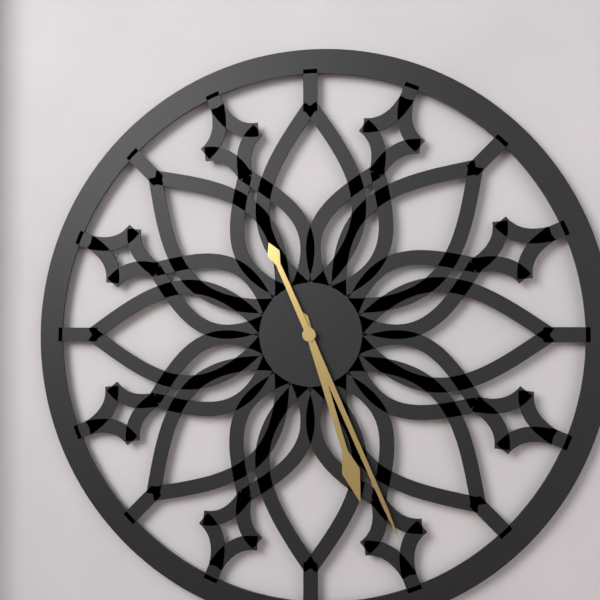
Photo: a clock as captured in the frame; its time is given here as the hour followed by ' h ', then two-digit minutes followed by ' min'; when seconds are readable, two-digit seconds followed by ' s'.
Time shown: 5 h 26 min
